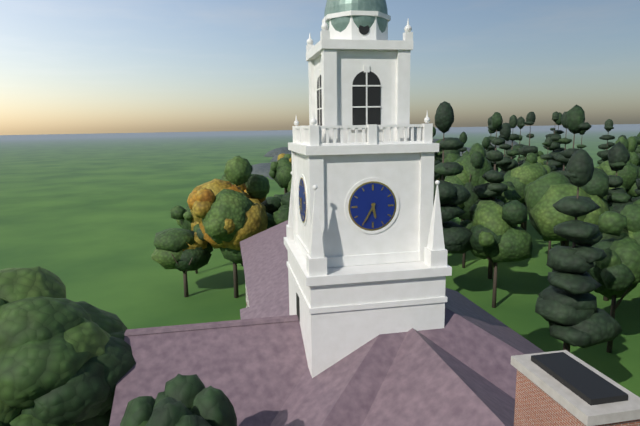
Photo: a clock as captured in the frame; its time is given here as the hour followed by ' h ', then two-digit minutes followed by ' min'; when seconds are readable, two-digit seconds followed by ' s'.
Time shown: 5 h 35 min
